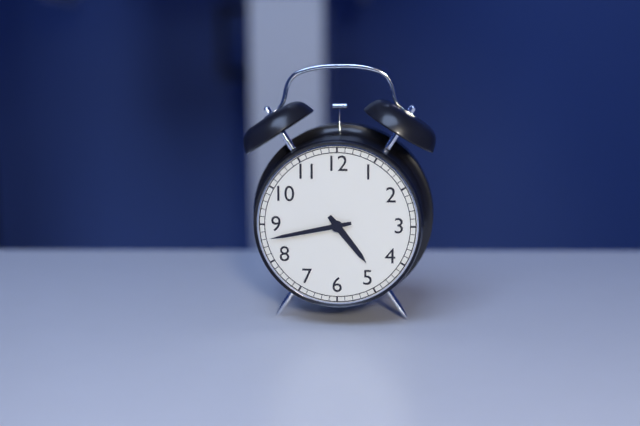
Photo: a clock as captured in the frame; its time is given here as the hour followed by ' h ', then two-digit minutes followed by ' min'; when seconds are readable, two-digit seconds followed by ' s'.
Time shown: 4 h 43 min
